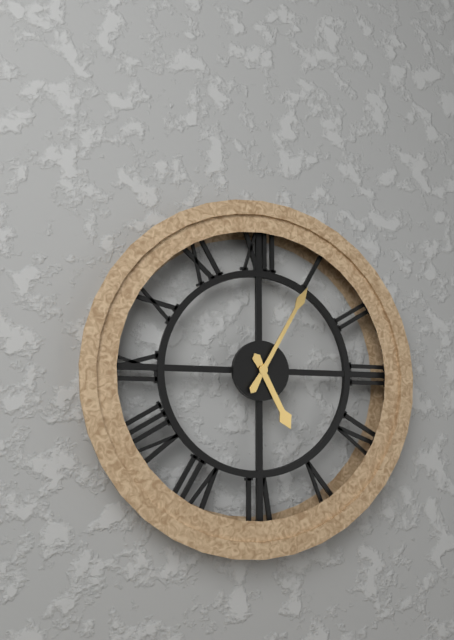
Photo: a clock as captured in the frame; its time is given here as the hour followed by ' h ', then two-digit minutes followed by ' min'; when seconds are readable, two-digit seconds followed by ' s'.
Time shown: 5 h 05 min
